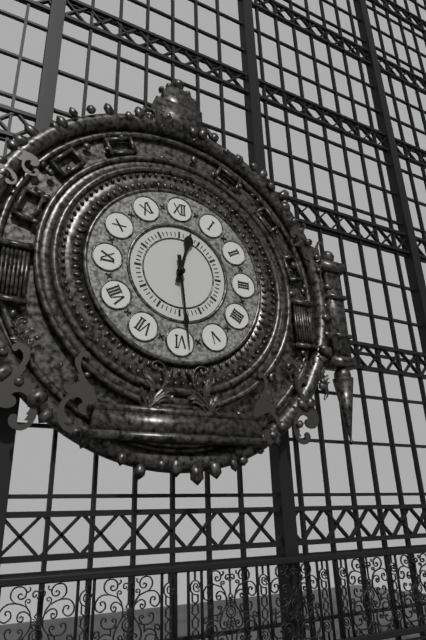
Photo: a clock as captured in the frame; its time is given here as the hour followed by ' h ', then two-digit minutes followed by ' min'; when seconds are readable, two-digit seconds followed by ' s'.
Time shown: 12 h 29 min
